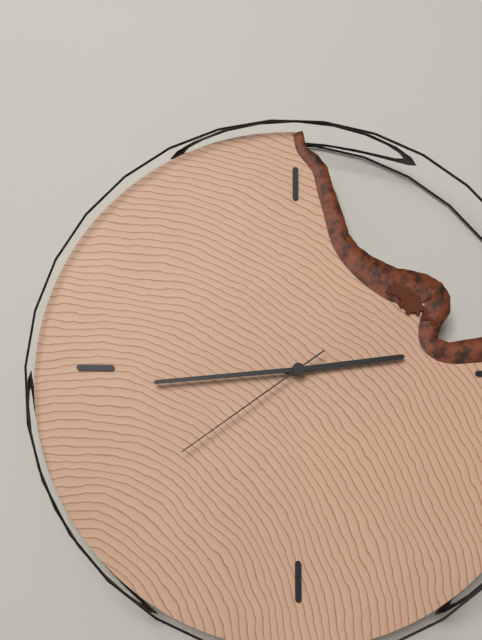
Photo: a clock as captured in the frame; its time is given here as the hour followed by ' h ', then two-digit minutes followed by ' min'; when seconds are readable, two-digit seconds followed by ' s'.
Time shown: 2 h 44 min 39 s
